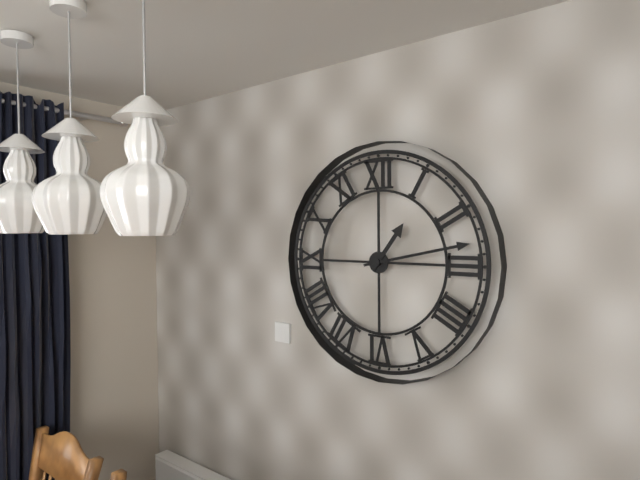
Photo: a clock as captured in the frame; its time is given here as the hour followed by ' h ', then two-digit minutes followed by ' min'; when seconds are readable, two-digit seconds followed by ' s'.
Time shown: 1 h 13 min
